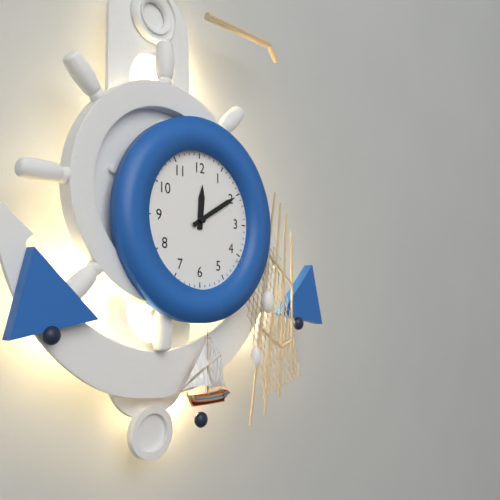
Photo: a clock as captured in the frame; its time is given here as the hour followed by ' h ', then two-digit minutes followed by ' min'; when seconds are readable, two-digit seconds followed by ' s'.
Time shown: 12 h 10 min
